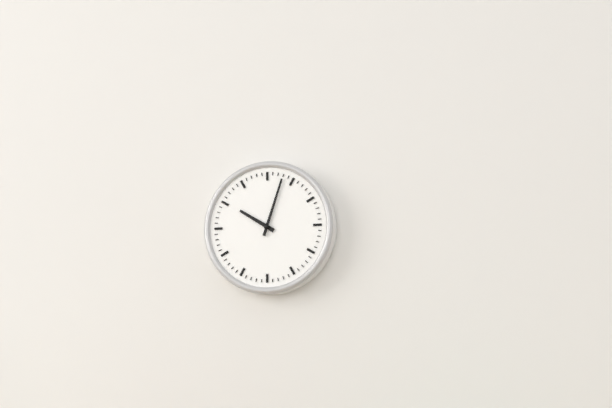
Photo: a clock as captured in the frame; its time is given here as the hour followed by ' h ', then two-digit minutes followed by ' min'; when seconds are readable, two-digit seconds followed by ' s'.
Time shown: 10 h 03 min
